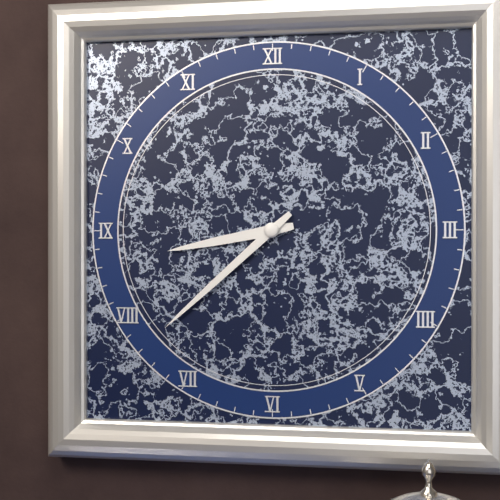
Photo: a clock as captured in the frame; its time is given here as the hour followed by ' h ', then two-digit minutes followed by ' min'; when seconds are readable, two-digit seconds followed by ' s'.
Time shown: 8 h 38 min
